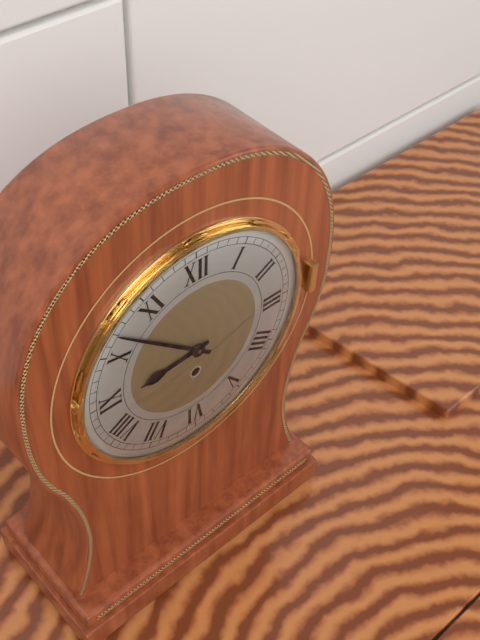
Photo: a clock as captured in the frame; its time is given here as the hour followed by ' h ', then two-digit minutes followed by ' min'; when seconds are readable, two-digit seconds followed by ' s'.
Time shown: 8 h 52 min
